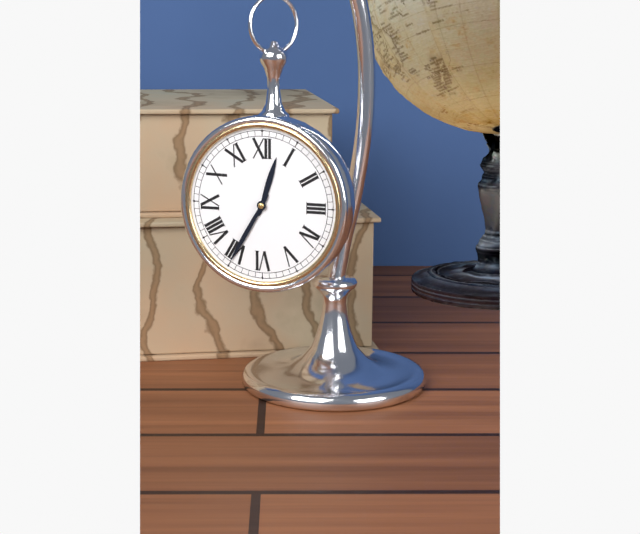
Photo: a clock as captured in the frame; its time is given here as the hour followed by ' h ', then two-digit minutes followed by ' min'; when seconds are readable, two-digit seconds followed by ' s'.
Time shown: 12 h 35 min
